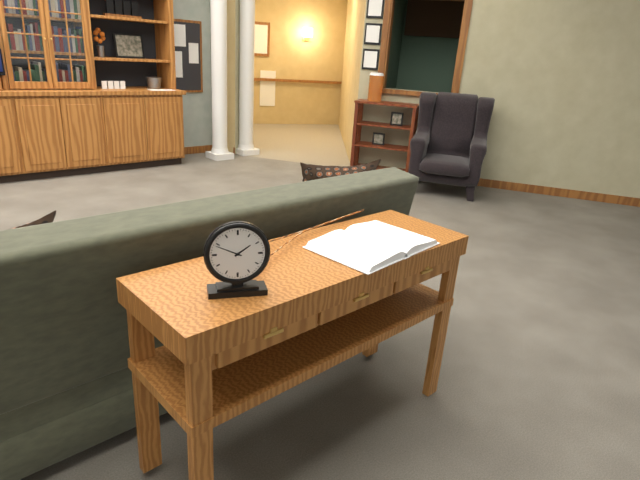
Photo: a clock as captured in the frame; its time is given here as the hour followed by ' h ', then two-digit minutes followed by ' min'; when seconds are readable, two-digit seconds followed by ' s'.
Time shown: 1 h 49 min
